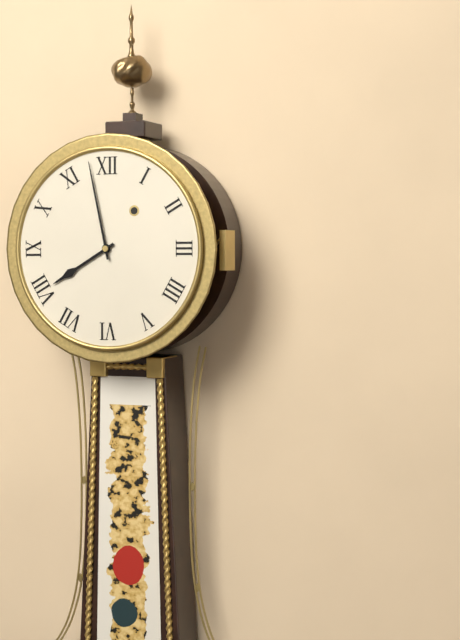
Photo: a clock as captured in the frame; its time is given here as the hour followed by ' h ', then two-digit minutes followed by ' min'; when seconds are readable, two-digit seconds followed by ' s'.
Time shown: 7 h 58 min
